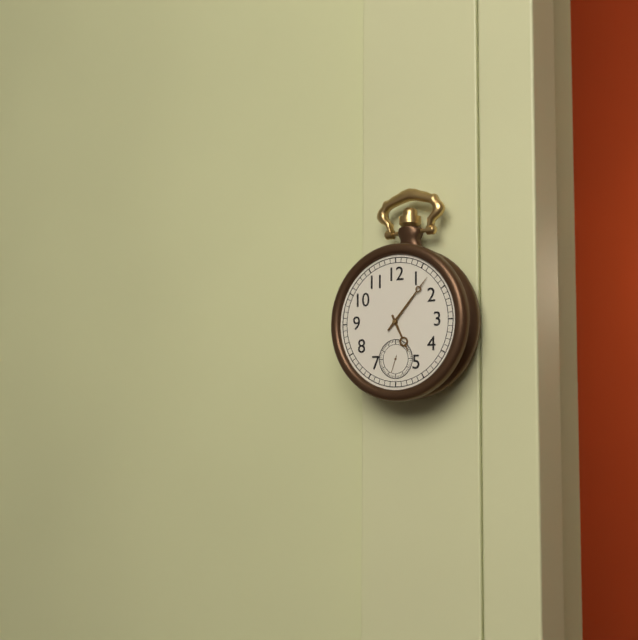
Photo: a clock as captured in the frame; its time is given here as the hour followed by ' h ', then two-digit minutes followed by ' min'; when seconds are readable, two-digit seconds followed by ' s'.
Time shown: 5 h 07 min
